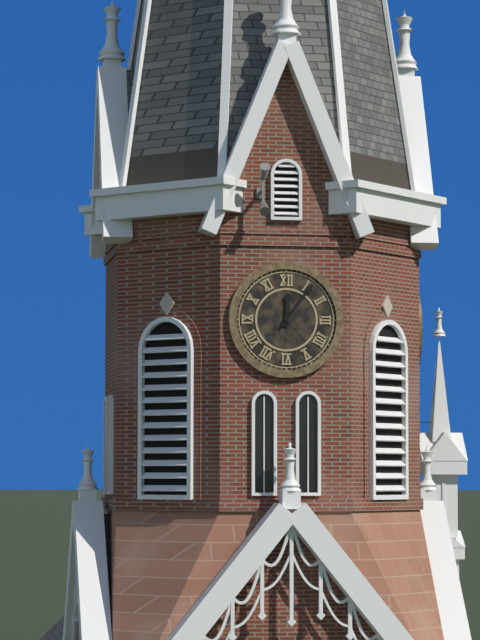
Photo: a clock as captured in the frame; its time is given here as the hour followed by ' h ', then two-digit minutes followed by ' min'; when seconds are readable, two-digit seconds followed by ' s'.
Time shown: 12 h 06 min
